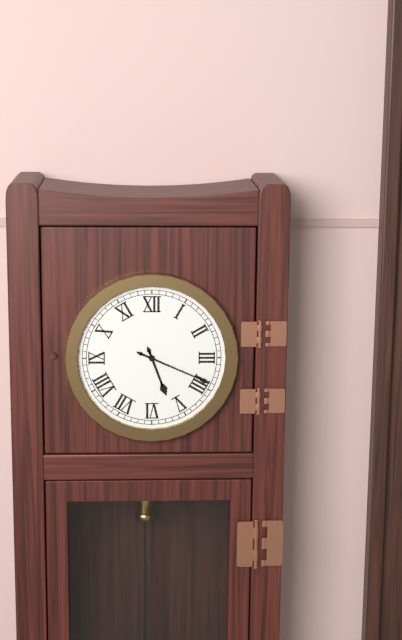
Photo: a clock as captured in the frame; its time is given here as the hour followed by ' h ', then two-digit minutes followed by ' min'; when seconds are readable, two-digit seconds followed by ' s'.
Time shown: 5 h 19 min
